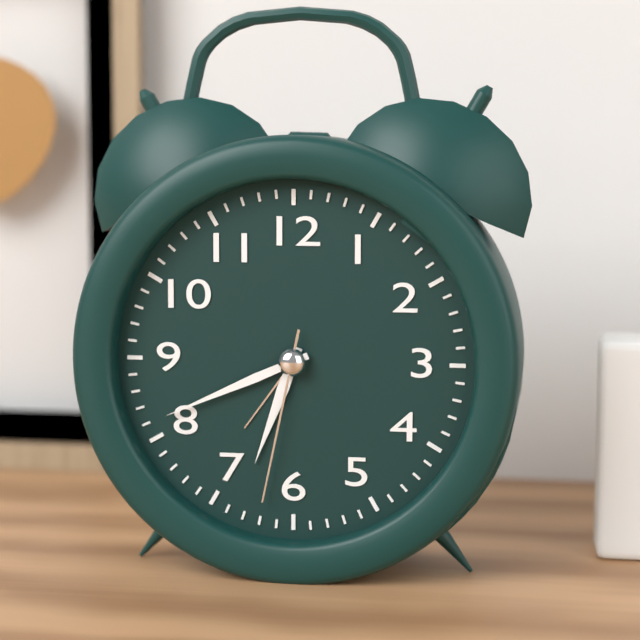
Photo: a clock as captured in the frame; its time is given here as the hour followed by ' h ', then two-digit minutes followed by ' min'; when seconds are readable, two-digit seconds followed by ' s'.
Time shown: 6 h 41 min 32 s
